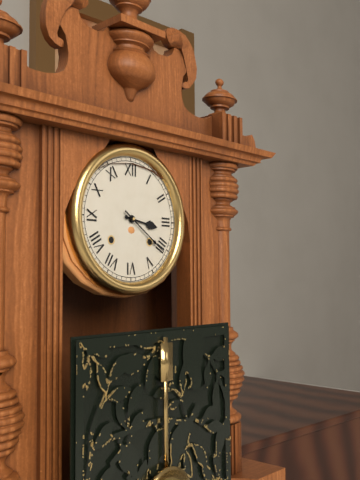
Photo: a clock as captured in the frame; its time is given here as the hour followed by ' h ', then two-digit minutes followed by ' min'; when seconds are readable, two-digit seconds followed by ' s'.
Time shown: 3 h 21 min
